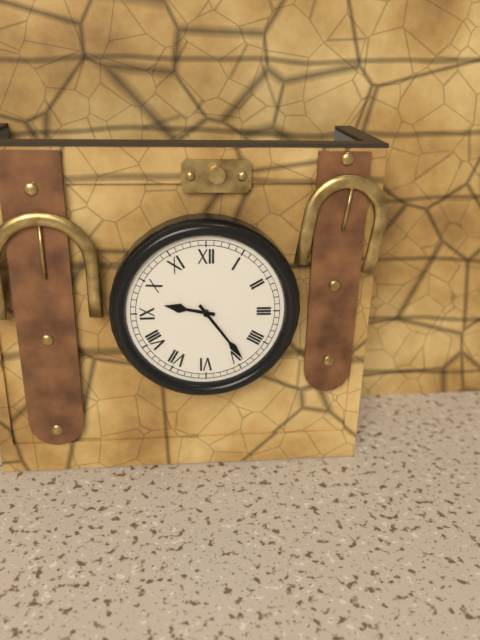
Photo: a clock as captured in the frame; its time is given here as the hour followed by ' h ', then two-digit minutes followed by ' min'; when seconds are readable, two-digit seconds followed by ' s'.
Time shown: 9 h 24 min
